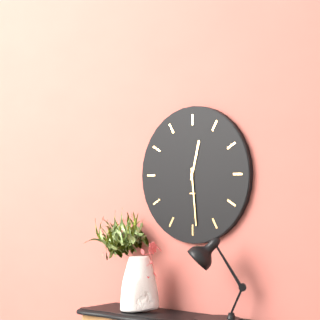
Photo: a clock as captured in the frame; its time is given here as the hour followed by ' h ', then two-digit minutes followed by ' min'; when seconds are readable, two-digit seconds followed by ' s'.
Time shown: 12 h 29 min
